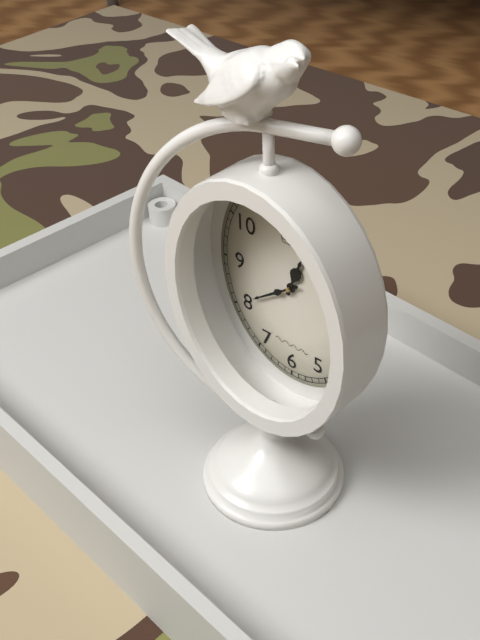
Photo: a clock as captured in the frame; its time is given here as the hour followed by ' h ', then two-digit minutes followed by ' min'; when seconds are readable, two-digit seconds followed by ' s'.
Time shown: 12 h 39 min
